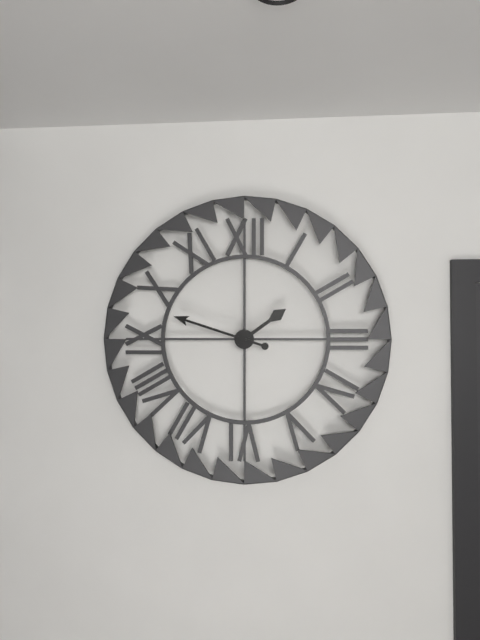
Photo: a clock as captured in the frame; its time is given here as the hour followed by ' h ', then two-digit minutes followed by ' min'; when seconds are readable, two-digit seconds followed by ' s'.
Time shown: 1 h 48 min
